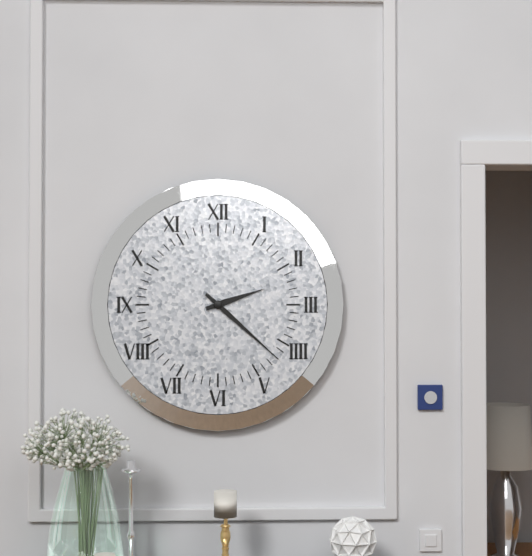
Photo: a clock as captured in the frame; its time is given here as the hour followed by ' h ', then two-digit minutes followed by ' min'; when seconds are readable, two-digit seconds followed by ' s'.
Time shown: 2 h 22 min
